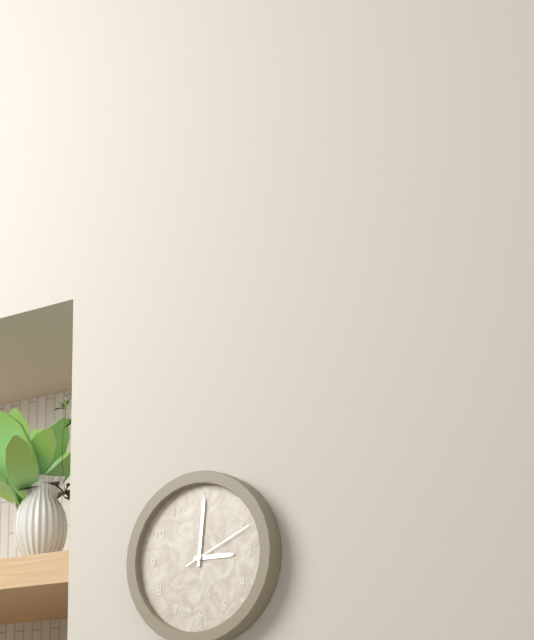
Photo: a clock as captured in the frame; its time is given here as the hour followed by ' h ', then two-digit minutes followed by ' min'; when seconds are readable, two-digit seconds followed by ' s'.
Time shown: 3 h 01 min 11 s
